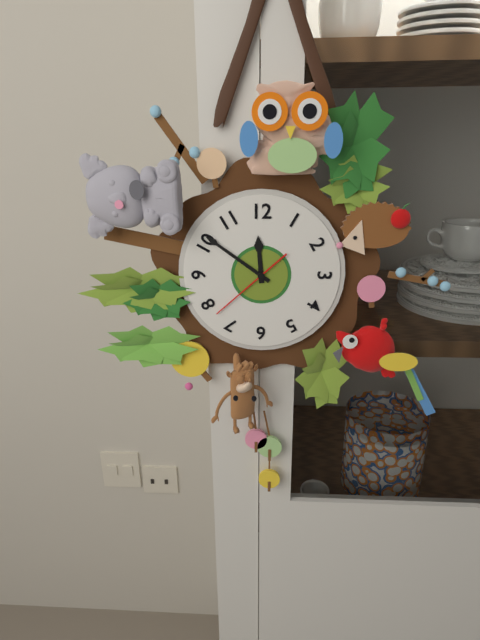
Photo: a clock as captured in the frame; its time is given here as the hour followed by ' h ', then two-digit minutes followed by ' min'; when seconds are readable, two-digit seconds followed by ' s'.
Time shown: 11 h 51 min 38 s
